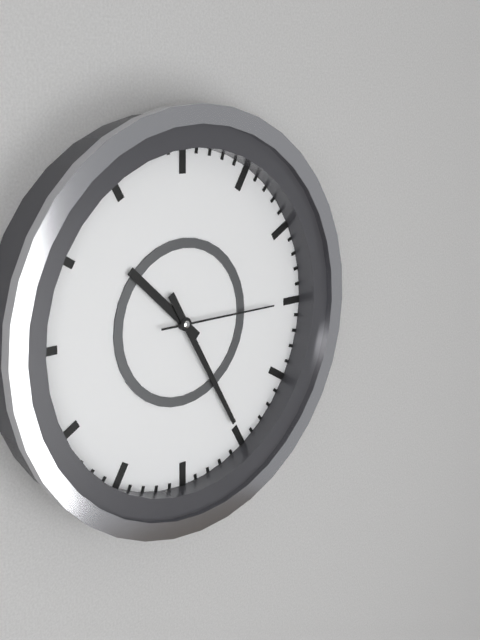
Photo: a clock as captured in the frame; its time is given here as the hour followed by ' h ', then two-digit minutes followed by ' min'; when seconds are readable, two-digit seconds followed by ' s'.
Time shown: 10 h 25 min 15 s
